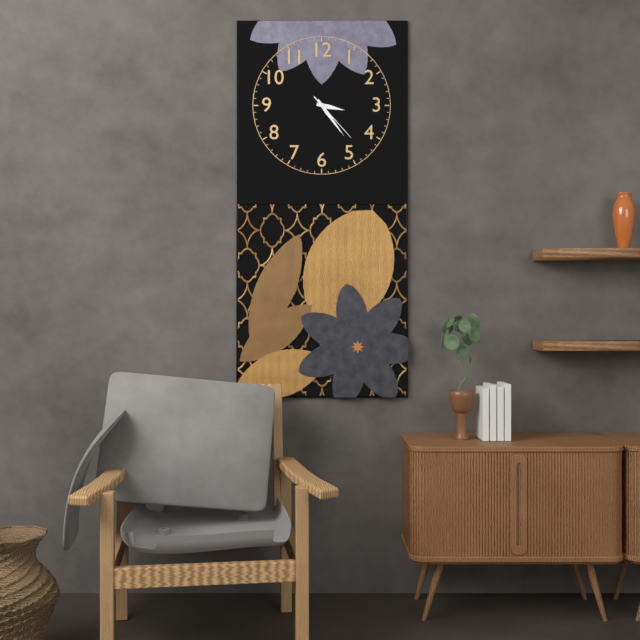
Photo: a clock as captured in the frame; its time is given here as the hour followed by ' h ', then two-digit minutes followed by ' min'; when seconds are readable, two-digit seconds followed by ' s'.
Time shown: 3 h 24 min 23 s
